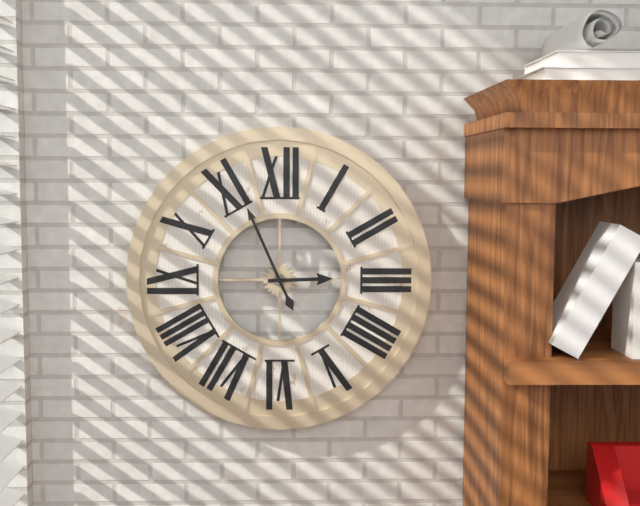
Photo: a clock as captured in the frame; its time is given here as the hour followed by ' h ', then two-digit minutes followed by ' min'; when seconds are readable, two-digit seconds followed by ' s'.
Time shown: 2 h 56 min
